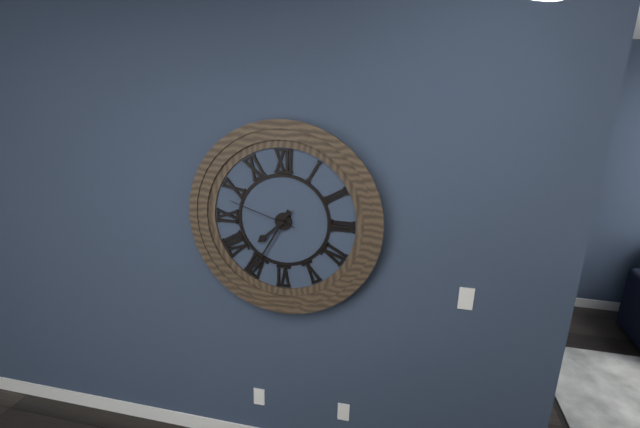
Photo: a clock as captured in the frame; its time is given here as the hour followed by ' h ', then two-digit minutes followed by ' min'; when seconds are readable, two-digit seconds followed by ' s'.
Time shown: 7 h 35 min 48 s
